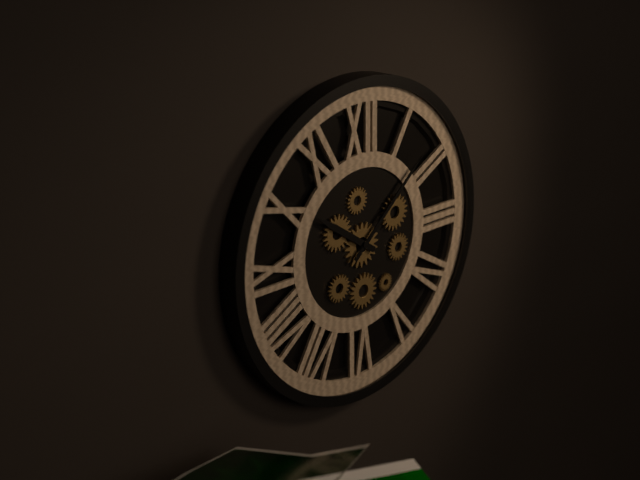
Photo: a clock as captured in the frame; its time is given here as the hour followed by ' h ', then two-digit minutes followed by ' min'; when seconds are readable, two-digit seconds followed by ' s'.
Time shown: 10 h 08 min
